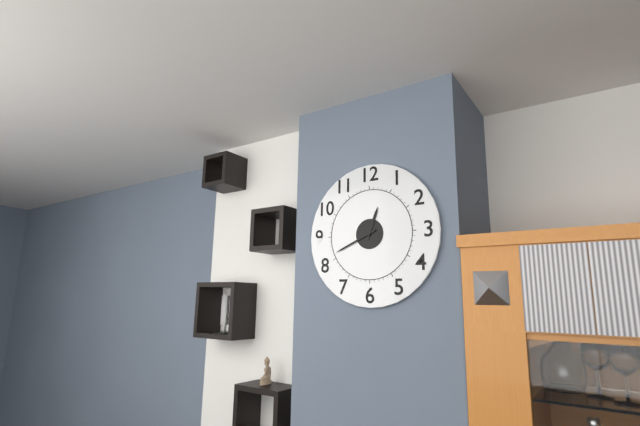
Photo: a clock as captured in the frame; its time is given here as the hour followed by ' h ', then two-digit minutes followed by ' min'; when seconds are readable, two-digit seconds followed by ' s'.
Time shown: 12 h 41 min
